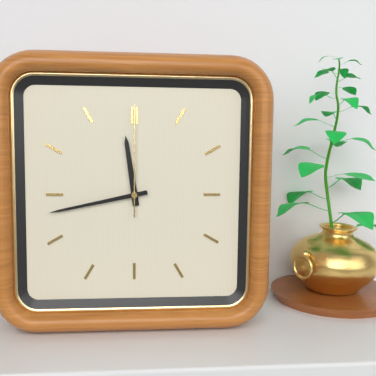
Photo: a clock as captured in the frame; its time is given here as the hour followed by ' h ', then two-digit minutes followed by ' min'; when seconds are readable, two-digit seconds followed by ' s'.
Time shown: 11 h 43 min 00 s
